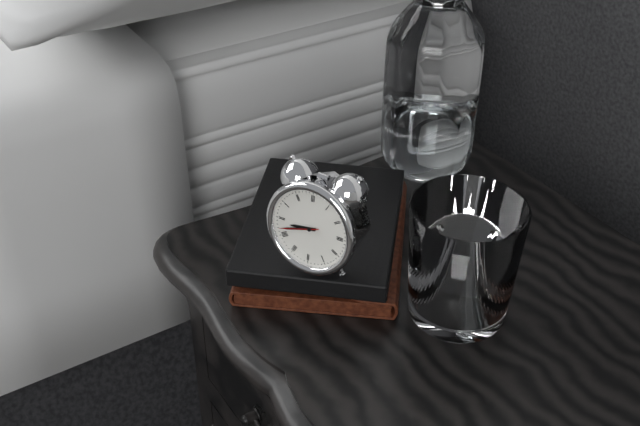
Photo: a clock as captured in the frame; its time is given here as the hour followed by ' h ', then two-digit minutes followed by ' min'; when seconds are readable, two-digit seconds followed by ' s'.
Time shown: 8 h 42 min
